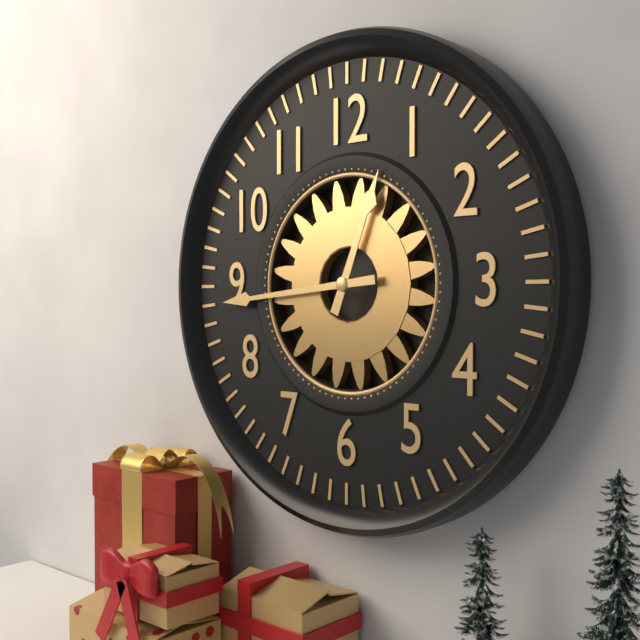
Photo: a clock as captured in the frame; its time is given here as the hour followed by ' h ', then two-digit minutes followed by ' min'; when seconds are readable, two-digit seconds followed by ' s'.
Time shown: 12 h 44 min
